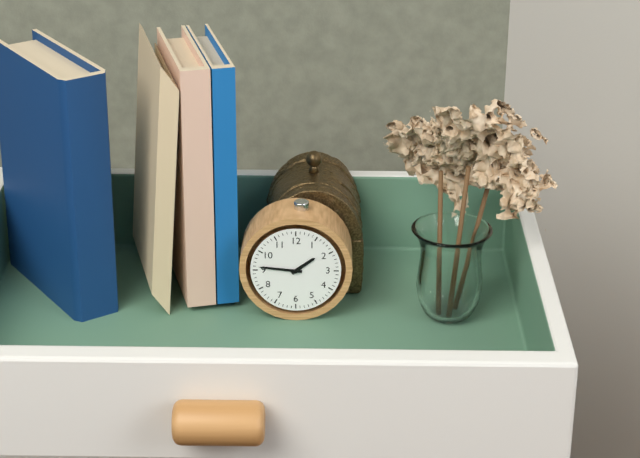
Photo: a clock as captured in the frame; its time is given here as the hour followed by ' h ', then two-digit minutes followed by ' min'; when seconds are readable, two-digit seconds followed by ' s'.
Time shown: 1 h 46 min
